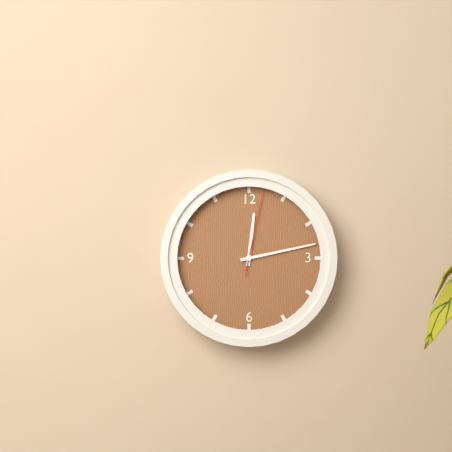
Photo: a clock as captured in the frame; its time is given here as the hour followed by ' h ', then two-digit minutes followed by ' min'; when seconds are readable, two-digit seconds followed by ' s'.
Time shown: 12 h 13 min 02 s
